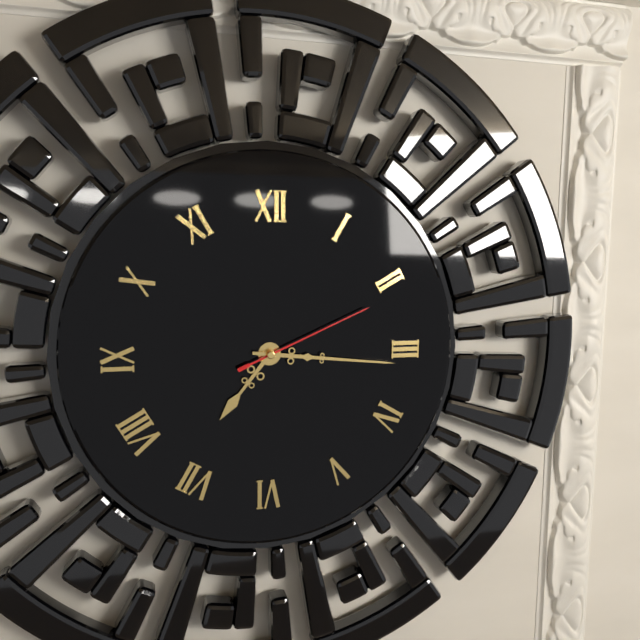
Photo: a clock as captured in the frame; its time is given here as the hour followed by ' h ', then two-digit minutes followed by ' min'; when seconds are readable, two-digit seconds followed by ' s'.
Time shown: 7 h 16 min 11 s
